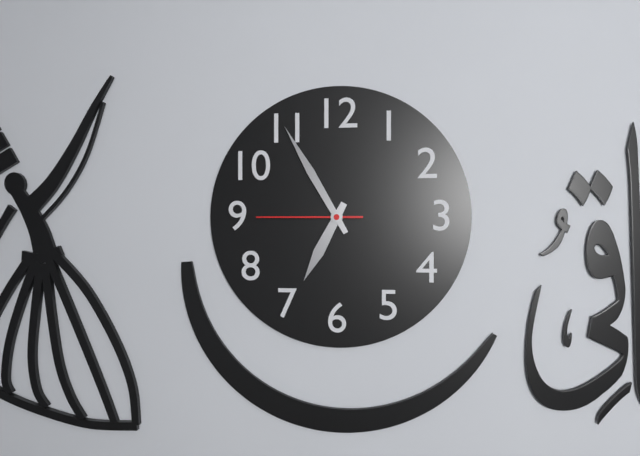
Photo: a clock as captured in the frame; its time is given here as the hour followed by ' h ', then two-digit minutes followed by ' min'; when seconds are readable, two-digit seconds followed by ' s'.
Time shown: 6 h 55 min 45 s
